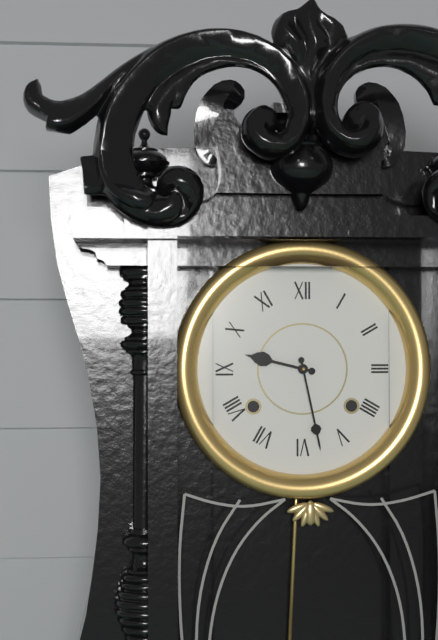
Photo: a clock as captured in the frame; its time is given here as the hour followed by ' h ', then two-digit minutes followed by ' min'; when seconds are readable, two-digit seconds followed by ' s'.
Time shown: 9 h 28 min
